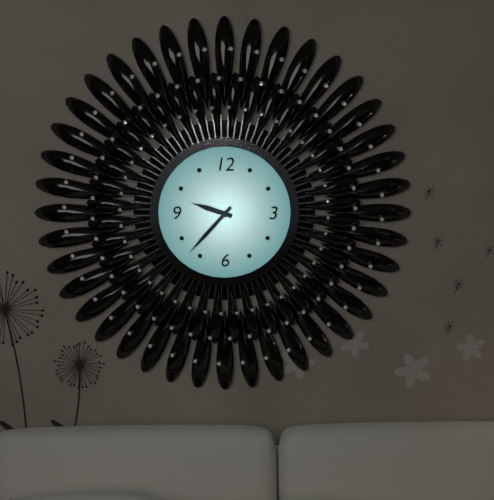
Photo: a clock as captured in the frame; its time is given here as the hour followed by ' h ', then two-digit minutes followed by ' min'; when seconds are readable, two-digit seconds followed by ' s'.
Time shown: 9 h 37 min
